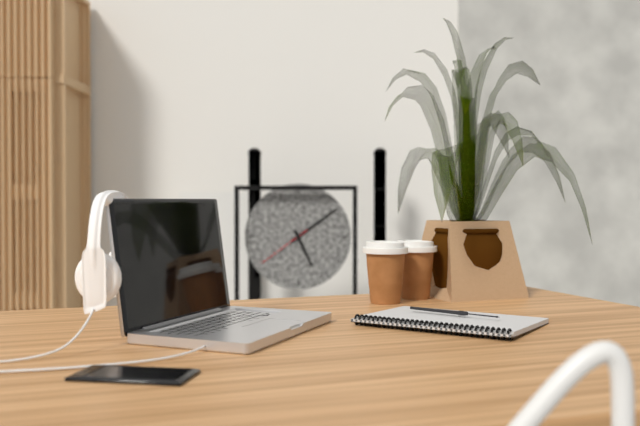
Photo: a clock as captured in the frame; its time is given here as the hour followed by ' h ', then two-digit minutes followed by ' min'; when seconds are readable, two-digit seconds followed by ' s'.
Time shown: 5 h 09 min 39 s
